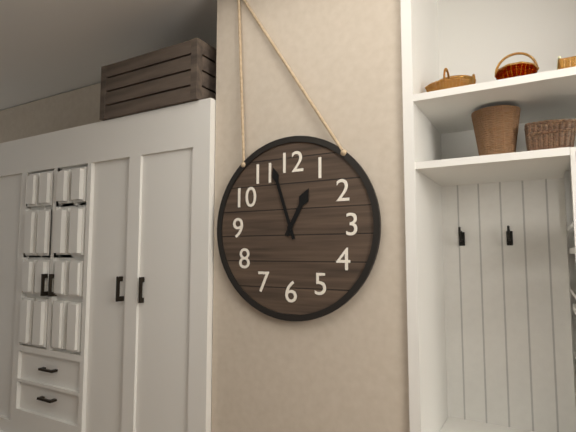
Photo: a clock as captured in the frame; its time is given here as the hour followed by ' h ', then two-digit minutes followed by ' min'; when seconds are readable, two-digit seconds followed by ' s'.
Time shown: 12 h 57 min
